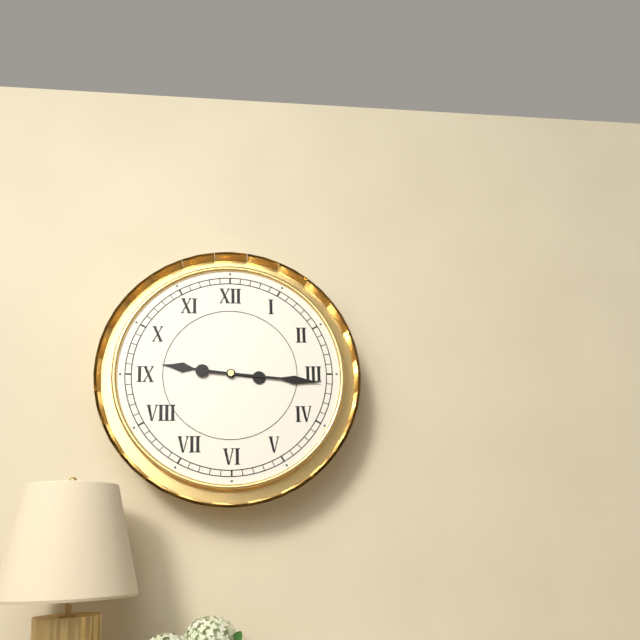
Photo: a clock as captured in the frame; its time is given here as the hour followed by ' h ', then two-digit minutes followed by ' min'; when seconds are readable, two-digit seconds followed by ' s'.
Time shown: 9 h 16 min
